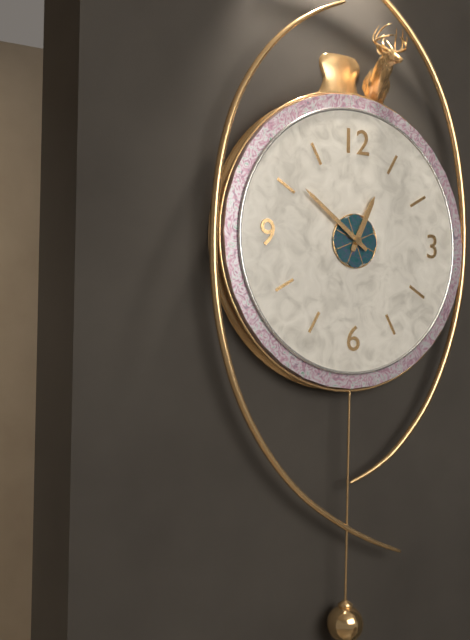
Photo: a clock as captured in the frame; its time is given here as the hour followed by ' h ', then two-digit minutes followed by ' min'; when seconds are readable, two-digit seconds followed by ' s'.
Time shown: 12 h 51 min
